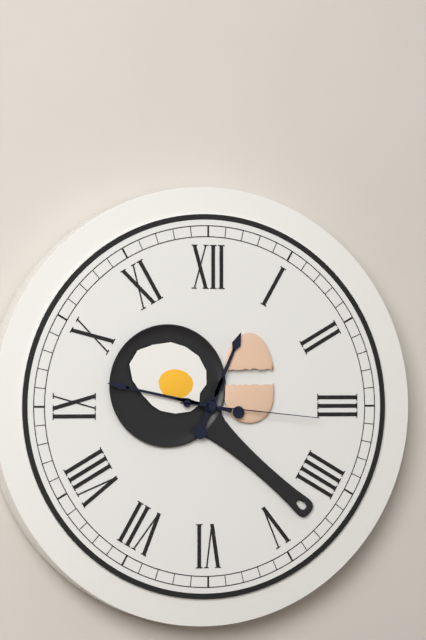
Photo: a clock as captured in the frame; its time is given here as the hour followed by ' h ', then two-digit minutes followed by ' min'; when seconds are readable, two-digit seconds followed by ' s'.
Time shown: 12 h 47 min 16 s
